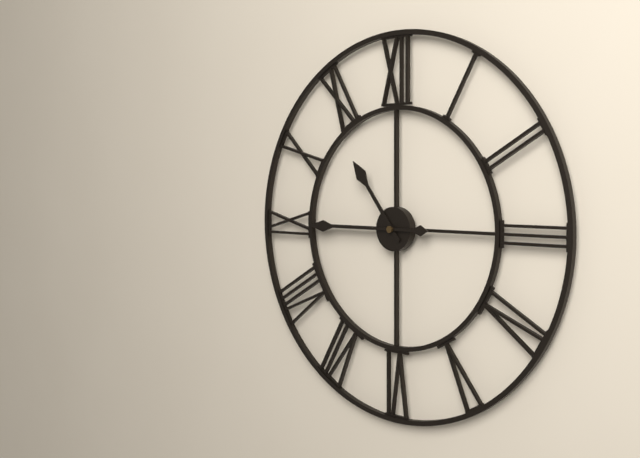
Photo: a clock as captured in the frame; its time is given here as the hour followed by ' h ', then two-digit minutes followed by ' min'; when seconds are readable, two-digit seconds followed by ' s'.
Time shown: 10 h 45 min
